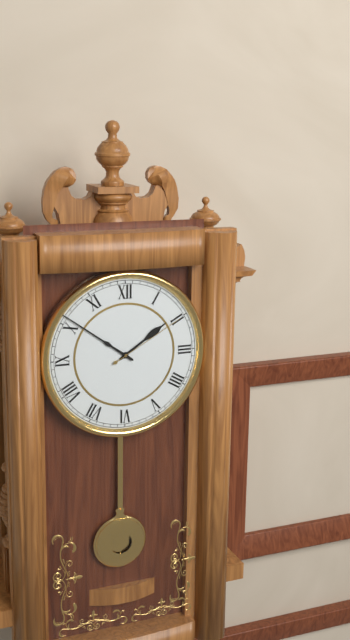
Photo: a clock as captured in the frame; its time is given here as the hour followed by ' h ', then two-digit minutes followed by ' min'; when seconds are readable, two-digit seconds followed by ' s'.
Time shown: 1 h 51 min 10 s
